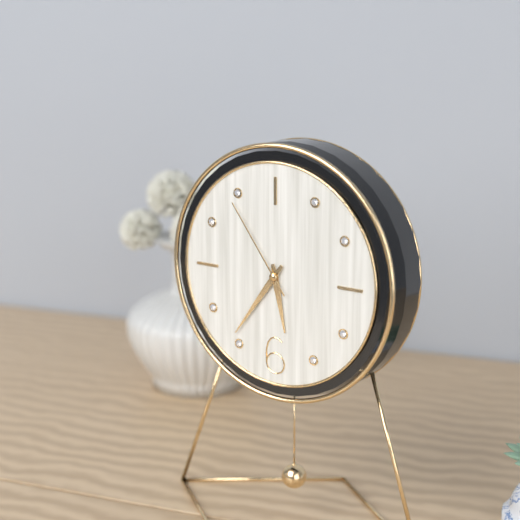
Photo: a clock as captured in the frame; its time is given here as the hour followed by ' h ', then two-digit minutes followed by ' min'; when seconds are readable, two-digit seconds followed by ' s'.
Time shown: 5 h 36 min 54 s
